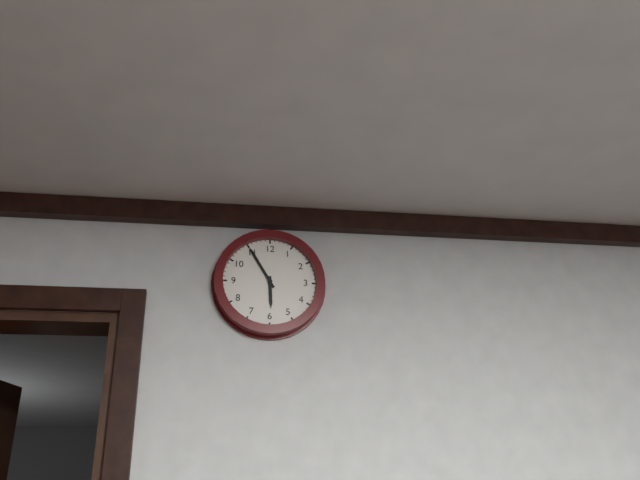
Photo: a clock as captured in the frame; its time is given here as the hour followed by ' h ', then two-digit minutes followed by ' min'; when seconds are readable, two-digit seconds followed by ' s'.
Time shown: 5 h 55 min
